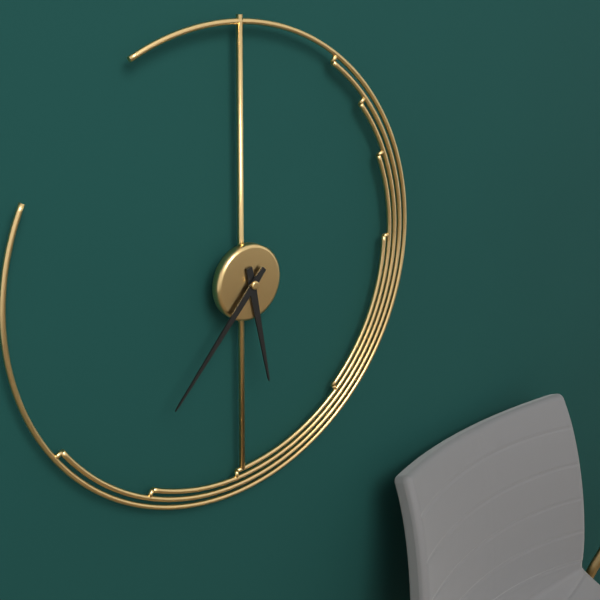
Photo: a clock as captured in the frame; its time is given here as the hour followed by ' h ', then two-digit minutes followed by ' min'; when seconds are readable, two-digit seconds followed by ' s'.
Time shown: 5 h 37 min
